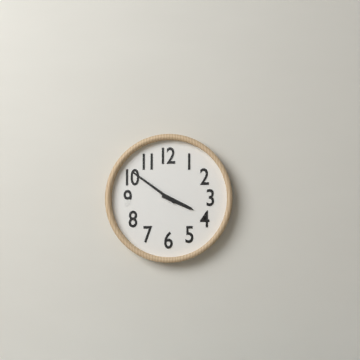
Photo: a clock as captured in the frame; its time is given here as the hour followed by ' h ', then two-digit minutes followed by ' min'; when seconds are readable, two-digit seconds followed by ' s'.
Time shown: 3 h 51 min
